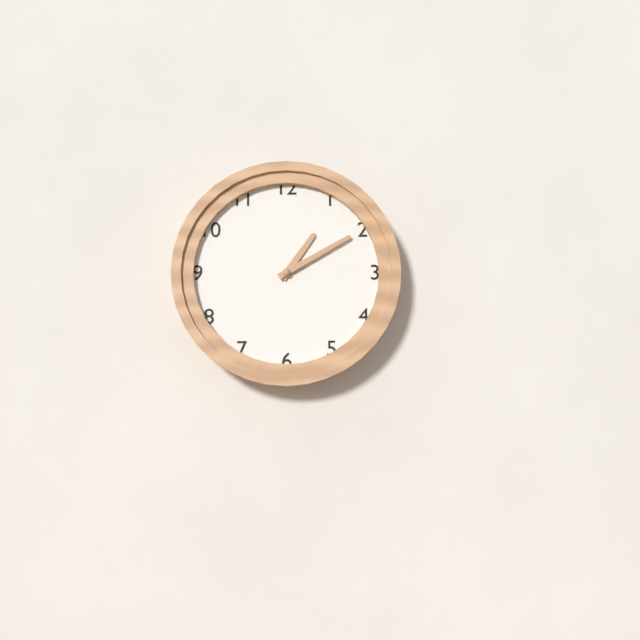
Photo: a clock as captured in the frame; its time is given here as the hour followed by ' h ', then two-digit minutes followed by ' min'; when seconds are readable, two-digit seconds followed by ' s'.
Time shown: 1 h 10 min
